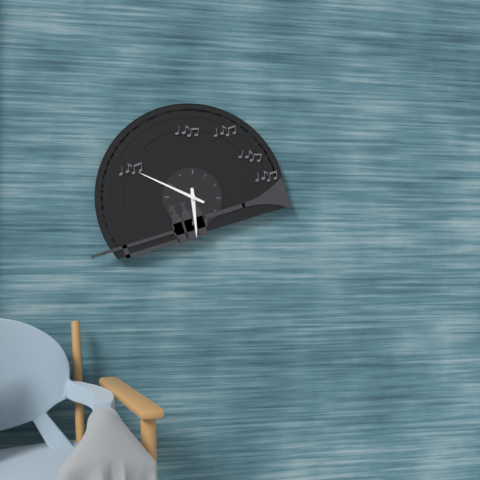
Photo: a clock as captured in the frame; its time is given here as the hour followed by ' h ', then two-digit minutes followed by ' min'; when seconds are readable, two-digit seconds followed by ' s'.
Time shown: 5 h 49 min
